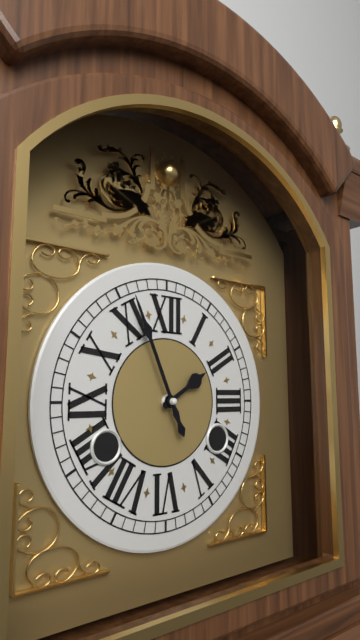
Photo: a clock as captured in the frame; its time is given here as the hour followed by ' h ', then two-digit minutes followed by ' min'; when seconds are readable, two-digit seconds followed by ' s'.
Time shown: 1 h 56 min
